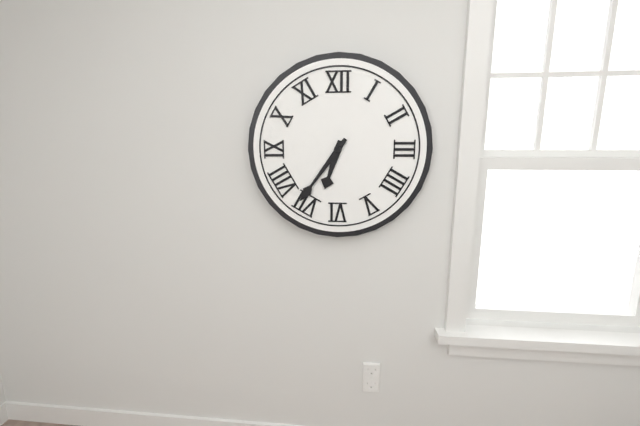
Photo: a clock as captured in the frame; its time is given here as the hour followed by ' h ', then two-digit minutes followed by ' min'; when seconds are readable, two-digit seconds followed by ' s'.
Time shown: 6 h 36 min
